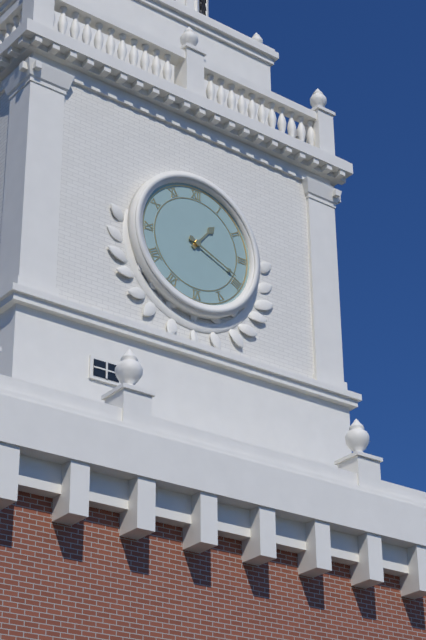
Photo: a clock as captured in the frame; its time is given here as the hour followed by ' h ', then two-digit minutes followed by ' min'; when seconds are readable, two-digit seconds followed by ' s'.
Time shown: 1 h 19 min
